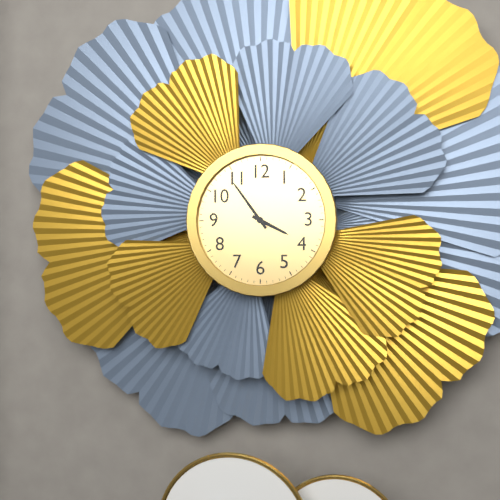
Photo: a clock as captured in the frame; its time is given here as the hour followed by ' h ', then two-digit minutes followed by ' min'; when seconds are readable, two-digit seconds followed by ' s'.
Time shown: 3 h 54 min
